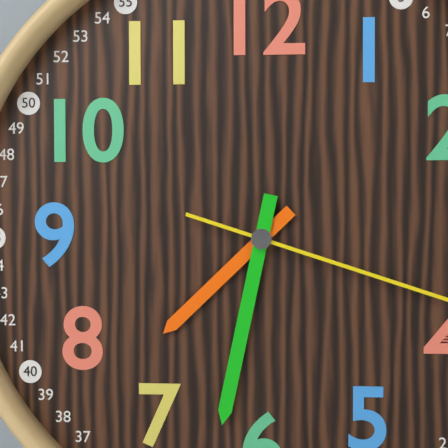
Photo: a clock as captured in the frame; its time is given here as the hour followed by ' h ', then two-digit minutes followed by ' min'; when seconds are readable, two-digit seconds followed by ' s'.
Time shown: 7 h 32 min
